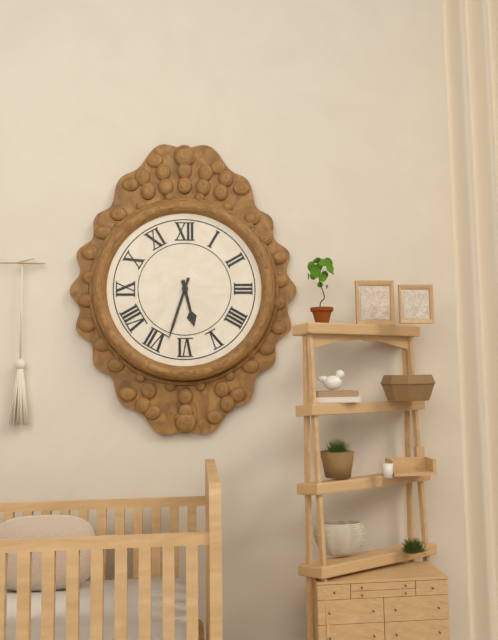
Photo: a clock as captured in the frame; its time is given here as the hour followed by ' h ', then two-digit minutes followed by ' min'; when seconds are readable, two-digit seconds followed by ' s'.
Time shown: 5 h 33 min
